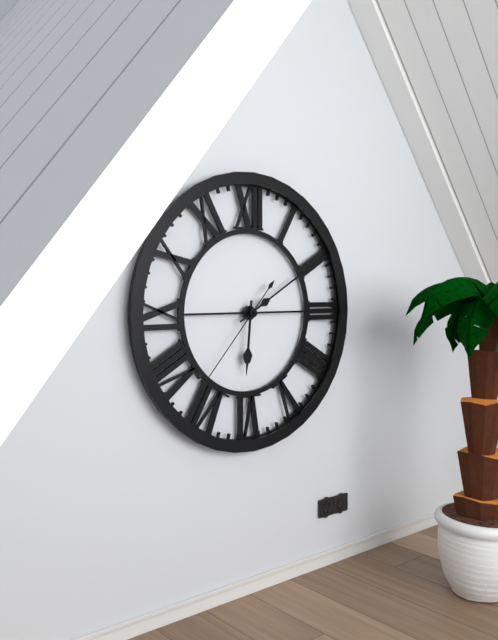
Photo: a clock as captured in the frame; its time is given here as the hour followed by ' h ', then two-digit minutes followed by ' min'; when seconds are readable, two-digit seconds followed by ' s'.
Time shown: 6 h 10 min 37 s
